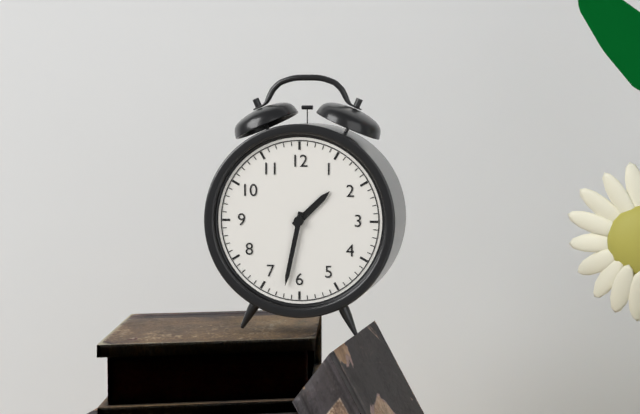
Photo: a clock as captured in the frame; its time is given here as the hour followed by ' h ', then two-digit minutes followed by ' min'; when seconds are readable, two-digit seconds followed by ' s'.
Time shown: 1 h 32 min
